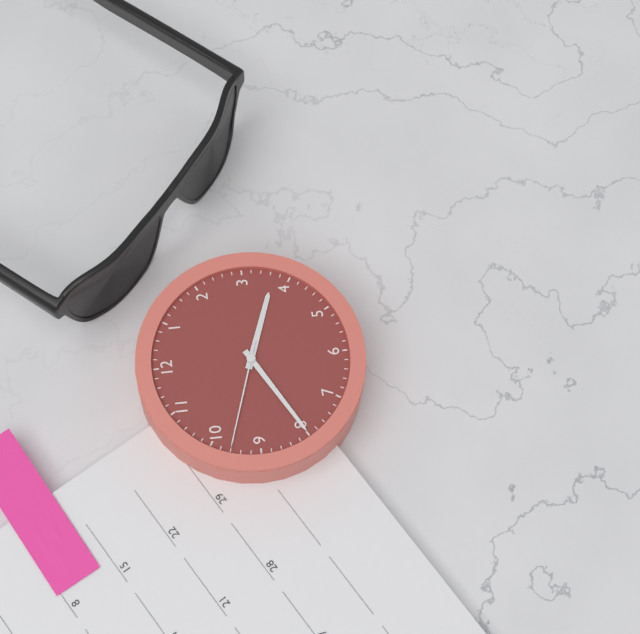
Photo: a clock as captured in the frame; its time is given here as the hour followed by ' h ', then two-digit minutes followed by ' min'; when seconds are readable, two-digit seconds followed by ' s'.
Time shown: 3 h 40 min 48 s
